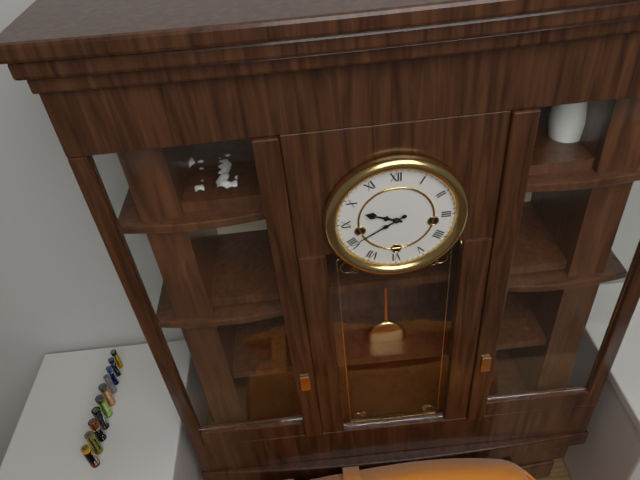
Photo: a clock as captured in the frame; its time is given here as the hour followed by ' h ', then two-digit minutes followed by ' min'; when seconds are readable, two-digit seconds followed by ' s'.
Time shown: 9 h 40 min
